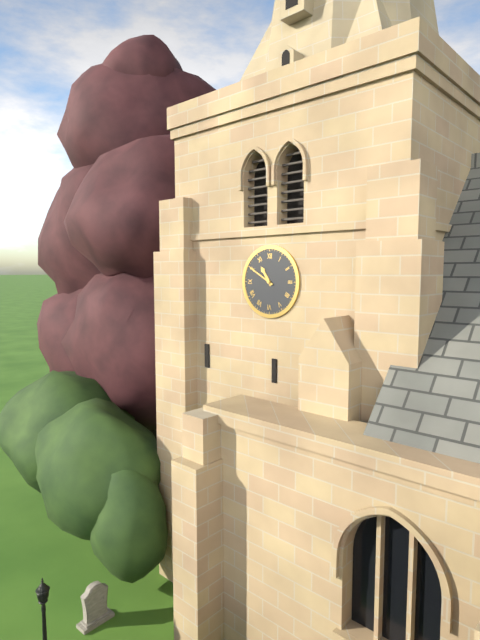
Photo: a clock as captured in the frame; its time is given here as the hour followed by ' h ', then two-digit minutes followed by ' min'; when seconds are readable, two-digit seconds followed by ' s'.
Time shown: 10 h 50 min
